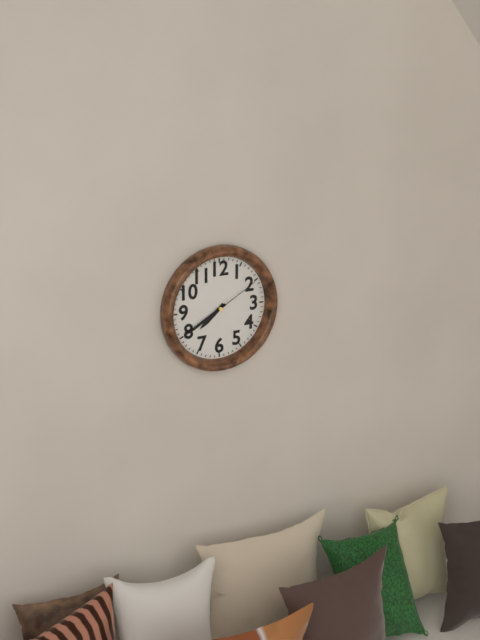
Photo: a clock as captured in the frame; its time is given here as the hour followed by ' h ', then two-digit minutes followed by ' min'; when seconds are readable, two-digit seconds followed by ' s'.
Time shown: 7 h 40 min 10 s
